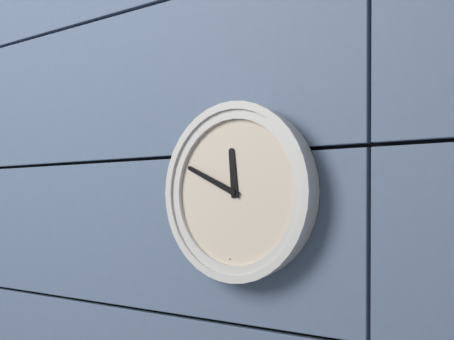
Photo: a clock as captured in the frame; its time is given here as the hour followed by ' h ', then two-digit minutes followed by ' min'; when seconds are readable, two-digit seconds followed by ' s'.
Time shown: 11 h 49 min
